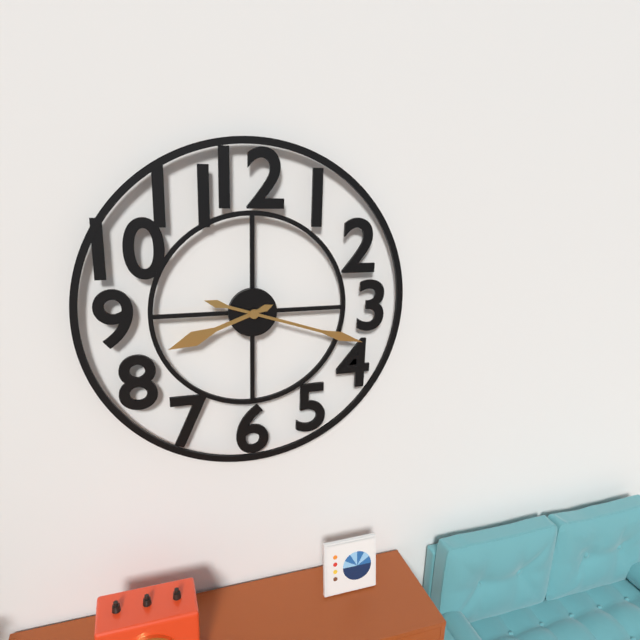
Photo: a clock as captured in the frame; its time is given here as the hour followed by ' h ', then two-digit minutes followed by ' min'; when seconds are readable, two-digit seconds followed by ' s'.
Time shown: 8 h 18 min
